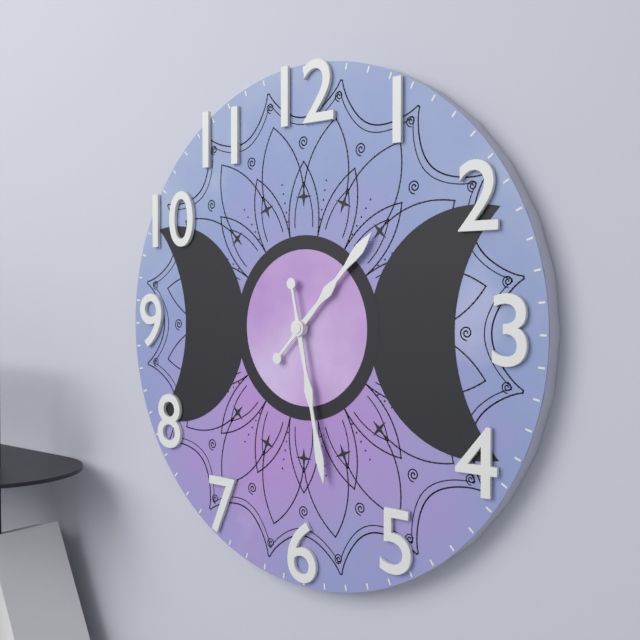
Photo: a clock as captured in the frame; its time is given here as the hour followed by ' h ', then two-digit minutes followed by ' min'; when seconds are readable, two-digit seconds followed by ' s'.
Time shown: 1 h 28 min
